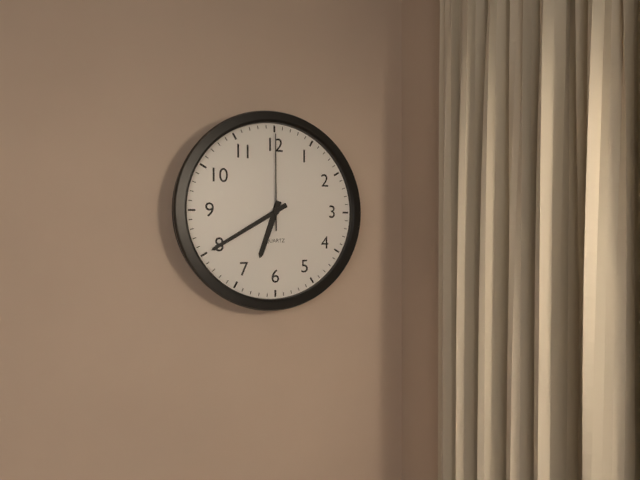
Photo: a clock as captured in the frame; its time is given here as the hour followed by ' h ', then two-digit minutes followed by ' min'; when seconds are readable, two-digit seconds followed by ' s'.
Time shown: 6 h 40 min 00 s
